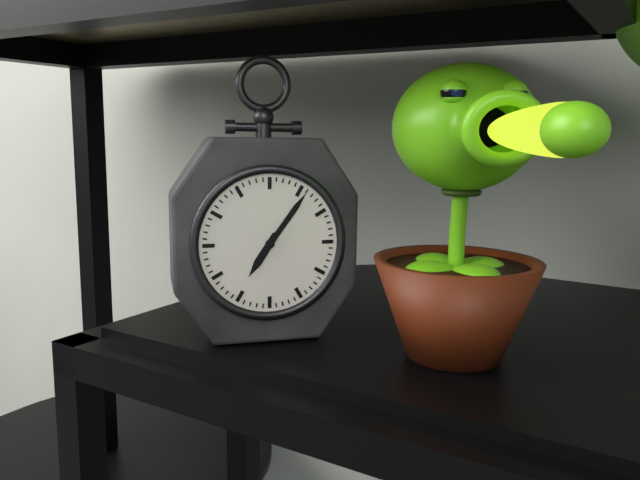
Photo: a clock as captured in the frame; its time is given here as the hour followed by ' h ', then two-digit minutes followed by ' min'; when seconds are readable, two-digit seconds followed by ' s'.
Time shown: 7 h 06 min
